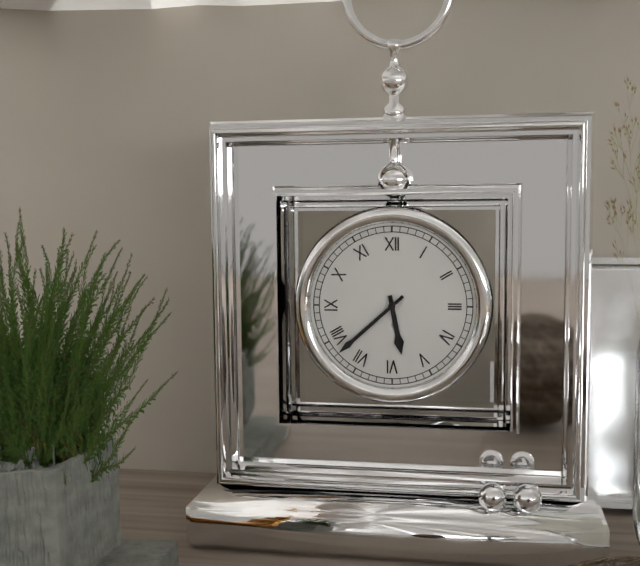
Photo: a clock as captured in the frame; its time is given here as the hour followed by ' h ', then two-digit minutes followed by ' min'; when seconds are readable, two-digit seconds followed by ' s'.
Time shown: 5 h 38 min
